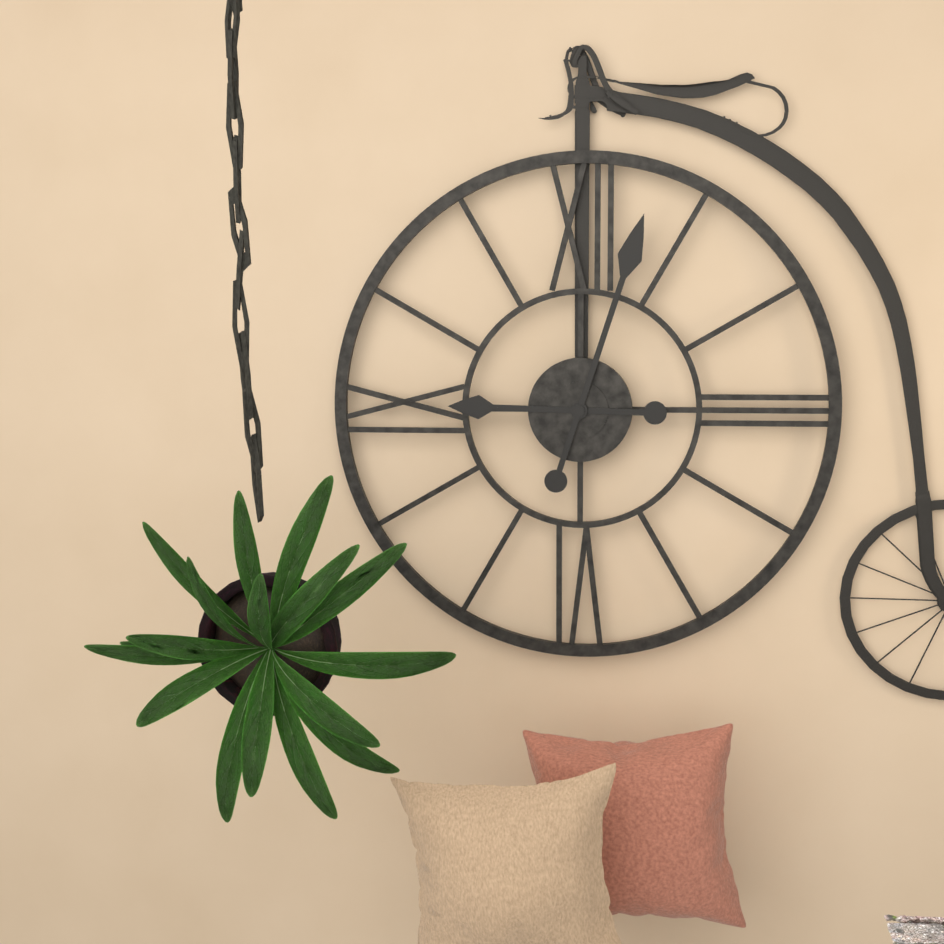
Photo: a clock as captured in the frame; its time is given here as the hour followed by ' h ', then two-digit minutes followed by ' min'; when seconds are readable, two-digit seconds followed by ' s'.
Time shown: 9 h 03 min
